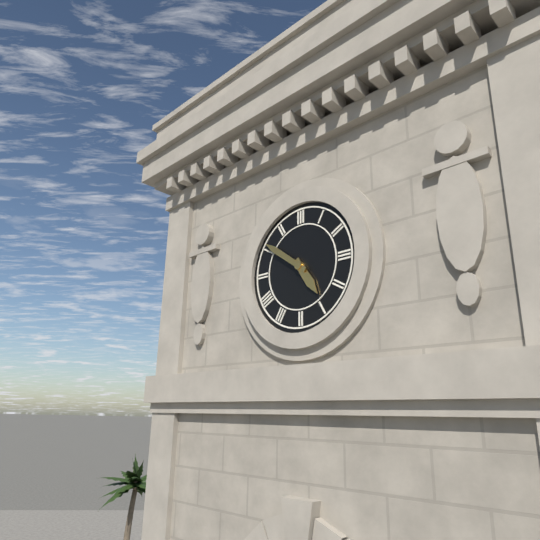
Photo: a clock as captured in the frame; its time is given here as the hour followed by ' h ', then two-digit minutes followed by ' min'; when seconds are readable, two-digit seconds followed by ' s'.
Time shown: 4 h 51 min
